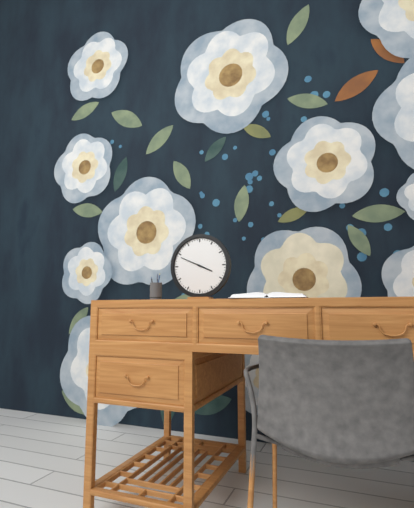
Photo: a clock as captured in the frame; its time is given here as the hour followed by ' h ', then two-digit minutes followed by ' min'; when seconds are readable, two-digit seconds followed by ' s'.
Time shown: 3 h 49 min
